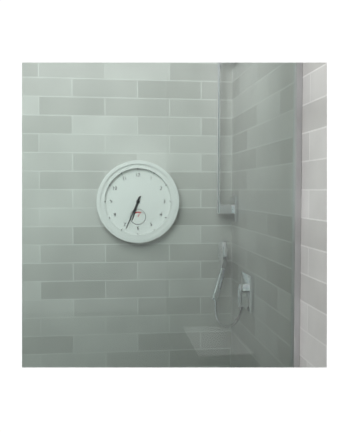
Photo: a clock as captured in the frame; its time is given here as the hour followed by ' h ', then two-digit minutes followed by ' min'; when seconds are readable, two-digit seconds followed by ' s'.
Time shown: 6 h 34 min
